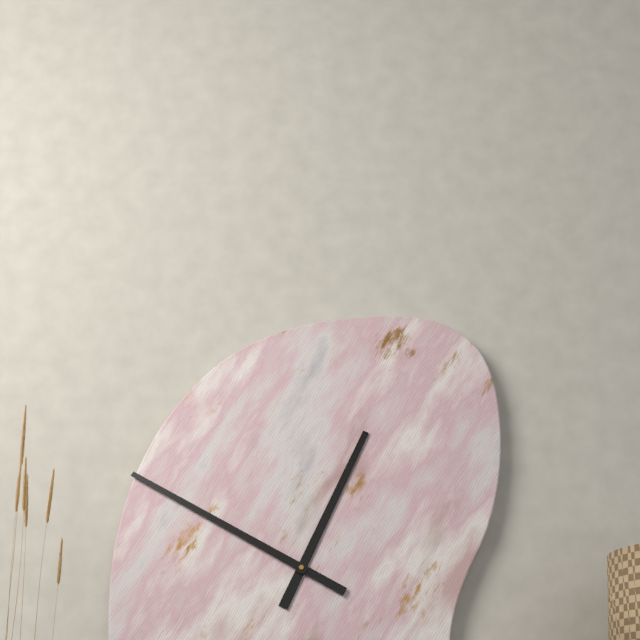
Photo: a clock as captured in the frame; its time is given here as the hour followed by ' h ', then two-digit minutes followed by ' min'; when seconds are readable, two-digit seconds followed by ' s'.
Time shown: 12 h 50 min
